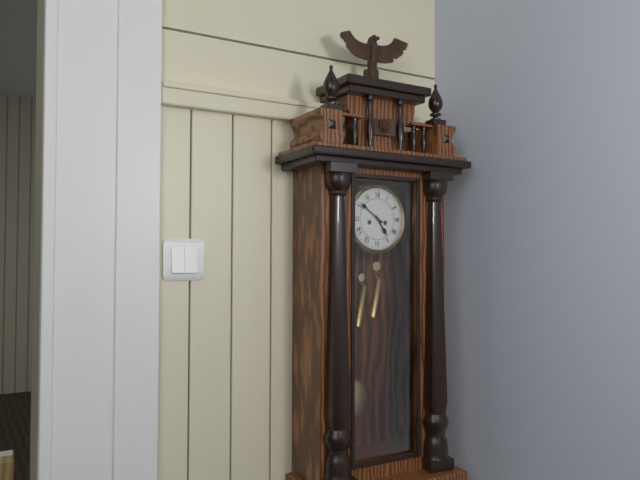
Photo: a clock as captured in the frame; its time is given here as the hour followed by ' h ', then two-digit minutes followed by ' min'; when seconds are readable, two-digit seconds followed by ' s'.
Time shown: 4 h 51 min
